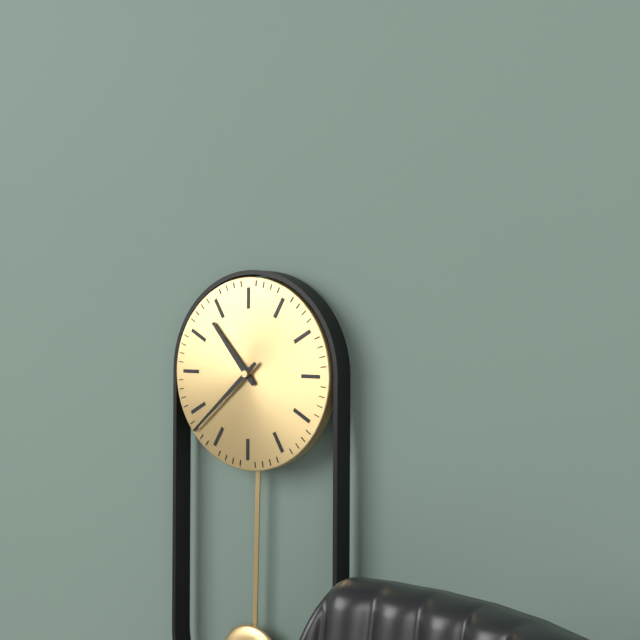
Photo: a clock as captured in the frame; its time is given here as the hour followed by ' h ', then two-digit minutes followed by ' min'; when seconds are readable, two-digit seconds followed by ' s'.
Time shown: 10 h 38 min
